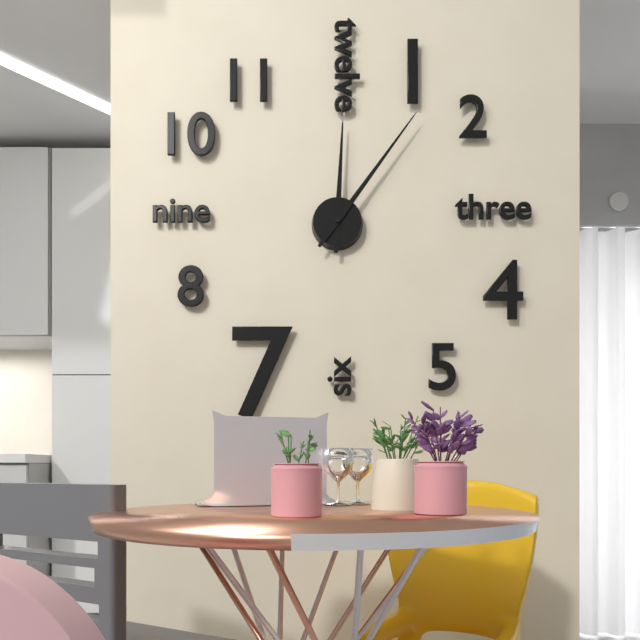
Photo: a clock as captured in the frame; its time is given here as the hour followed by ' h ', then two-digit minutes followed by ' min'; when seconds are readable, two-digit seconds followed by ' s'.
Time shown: 12 h 06 min
